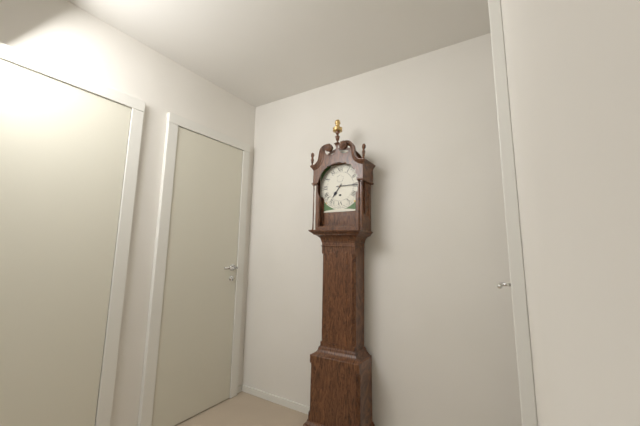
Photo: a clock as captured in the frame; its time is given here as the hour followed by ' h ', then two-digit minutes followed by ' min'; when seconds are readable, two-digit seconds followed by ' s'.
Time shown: 7 h 15 min
